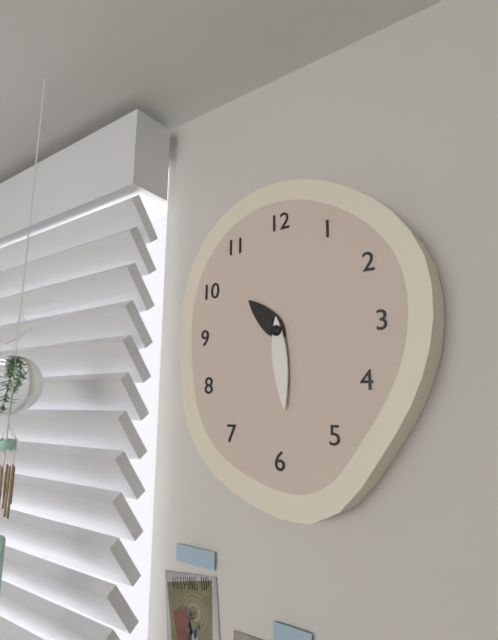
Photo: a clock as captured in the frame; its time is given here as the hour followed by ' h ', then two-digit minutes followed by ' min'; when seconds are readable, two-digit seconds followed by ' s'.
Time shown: 10 h 29 min
